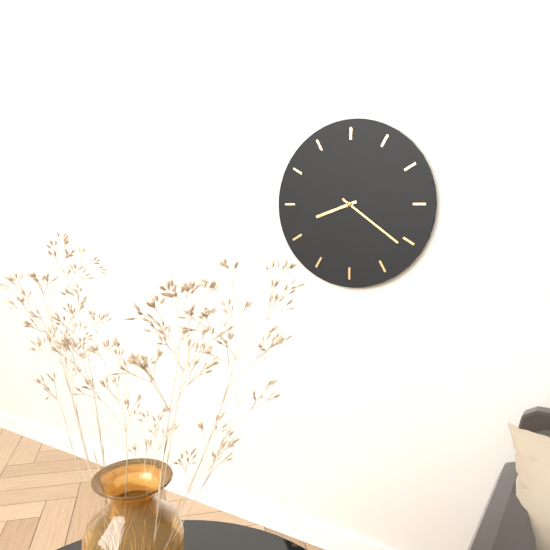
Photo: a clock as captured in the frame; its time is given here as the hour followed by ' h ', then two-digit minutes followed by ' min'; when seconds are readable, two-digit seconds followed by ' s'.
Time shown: 8 h 21 min
